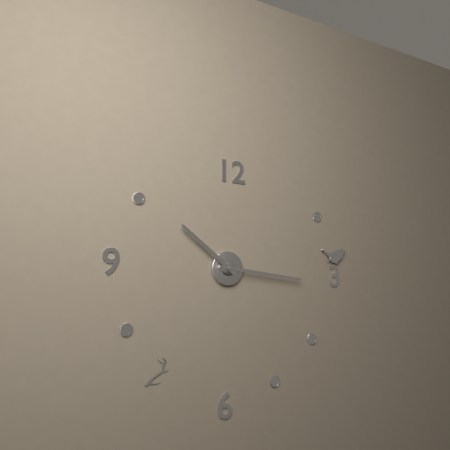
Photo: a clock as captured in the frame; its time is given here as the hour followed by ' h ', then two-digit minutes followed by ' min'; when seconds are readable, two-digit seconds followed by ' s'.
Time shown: 10 h 16 min
